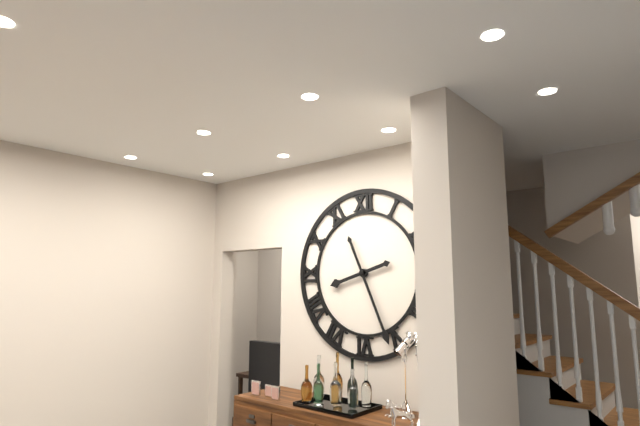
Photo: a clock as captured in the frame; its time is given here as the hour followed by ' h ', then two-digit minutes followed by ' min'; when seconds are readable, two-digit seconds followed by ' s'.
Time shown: 8 h 26 min
